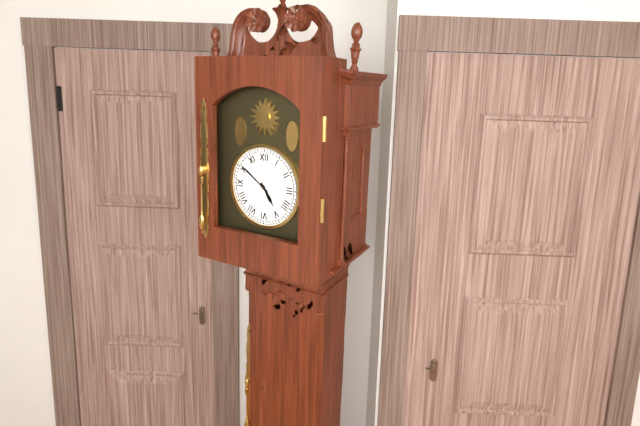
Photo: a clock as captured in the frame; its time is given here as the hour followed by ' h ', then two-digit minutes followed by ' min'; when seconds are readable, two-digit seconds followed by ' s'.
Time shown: 4 h 51 min
